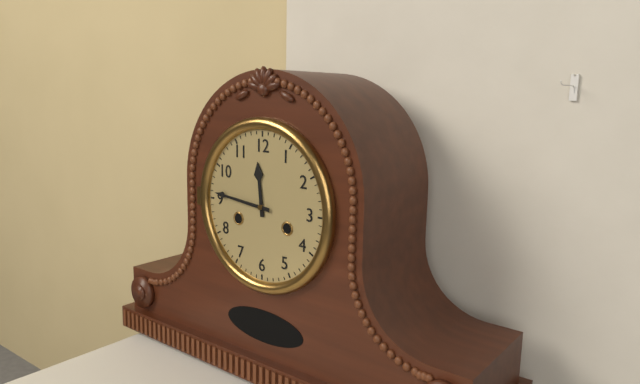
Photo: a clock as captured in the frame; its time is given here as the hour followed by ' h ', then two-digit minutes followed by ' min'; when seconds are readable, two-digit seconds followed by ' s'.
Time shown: 11 h 46 min
